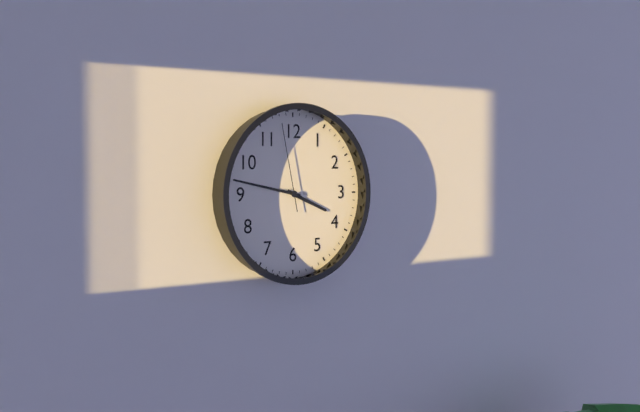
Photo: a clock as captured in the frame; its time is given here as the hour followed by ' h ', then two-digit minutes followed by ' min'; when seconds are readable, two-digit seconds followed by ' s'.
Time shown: 3 h 47 min 58 s
